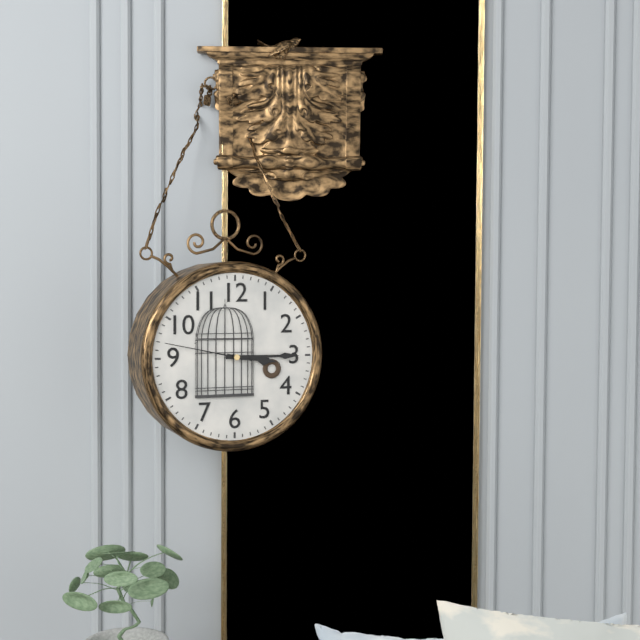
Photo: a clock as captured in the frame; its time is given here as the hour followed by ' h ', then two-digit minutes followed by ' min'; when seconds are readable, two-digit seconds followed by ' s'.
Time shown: 3 h 15 min 47 s
